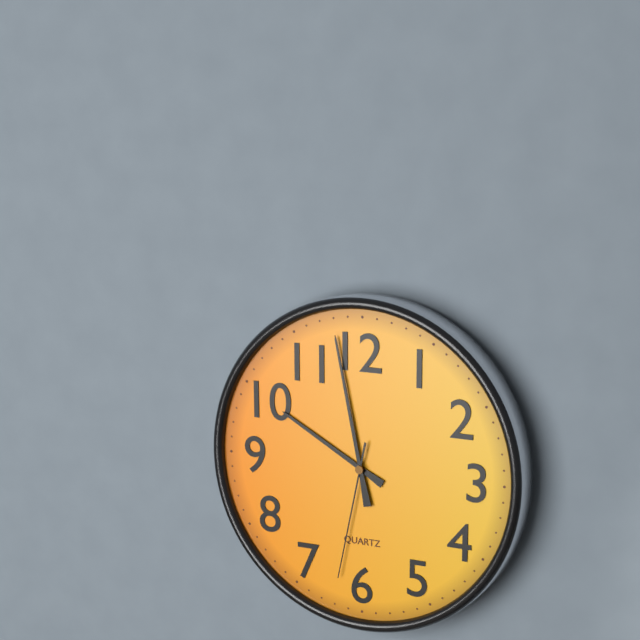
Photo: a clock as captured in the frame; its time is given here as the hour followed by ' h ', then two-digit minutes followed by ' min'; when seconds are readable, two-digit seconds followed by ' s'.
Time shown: 9 h 58 min 32 s
